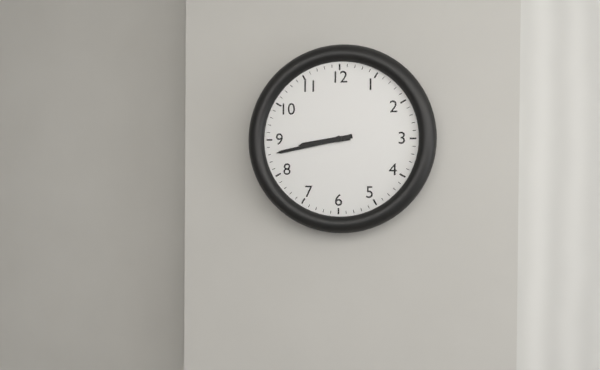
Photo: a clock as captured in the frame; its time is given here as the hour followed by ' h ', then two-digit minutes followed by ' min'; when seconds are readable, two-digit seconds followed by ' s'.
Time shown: 8 h 43 min
